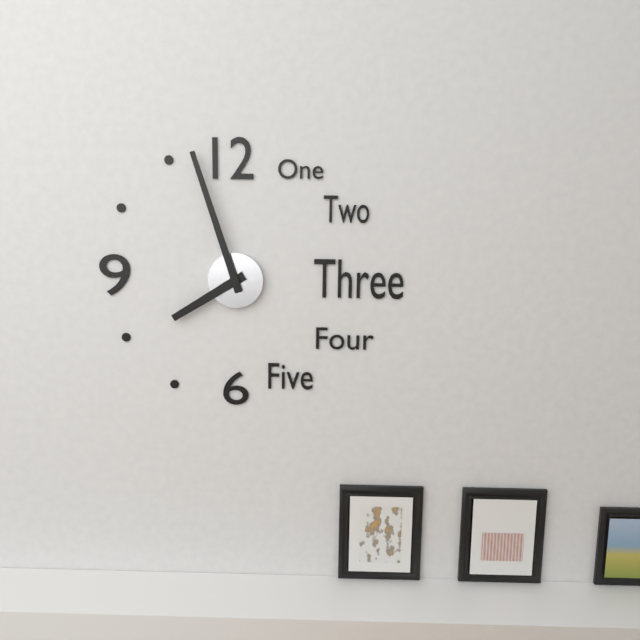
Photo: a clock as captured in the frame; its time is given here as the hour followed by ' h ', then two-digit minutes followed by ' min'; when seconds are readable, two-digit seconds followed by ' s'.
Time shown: 7 h 57 min
